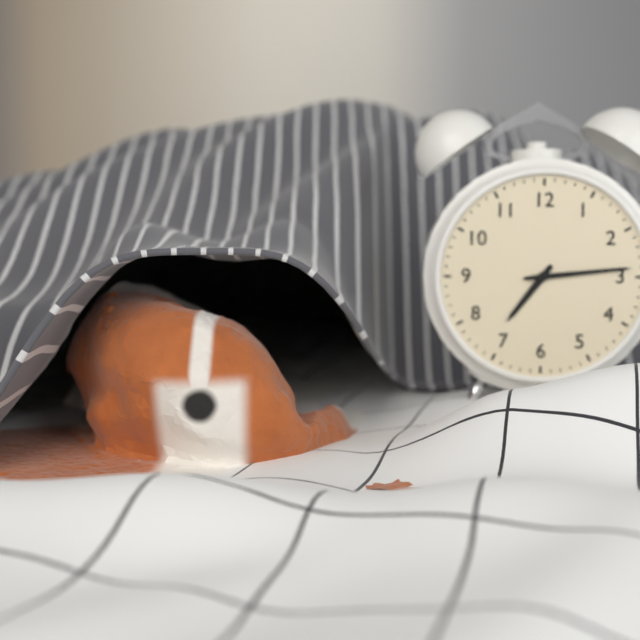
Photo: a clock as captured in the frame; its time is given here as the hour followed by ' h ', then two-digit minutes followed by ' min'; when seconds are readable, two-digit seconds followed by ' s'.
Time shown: 7 h 14 min
